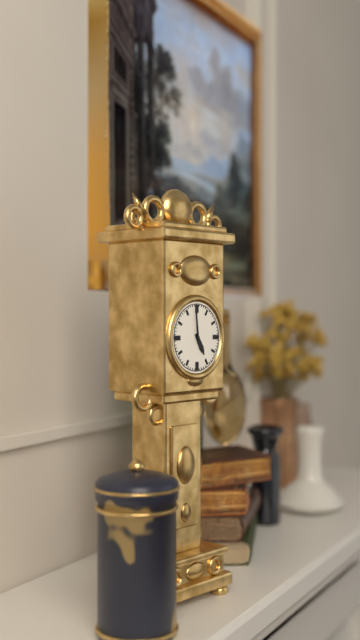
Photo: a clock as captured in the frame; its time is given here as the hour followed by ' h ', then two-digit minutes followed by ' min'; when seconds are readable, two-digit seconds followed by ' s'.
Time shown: 4 h 59 min
